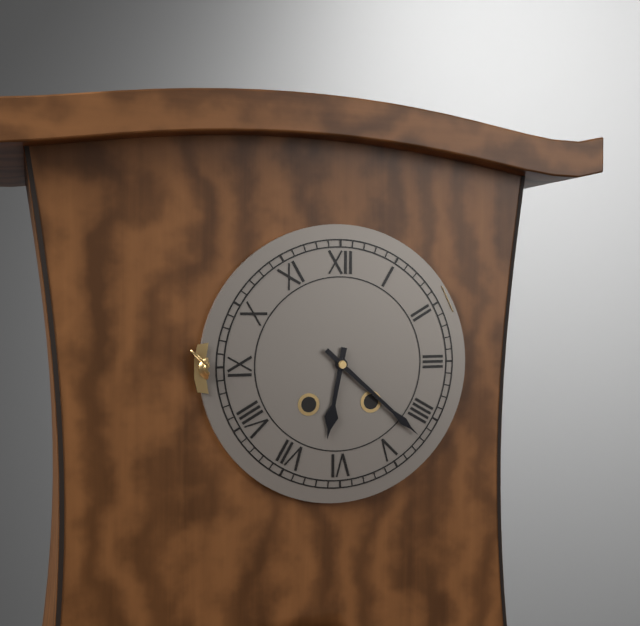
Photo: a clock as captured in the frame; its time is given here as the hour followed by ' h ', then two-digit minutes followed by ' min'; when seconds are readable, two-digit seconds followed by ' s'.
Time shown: 6 h 22 min
